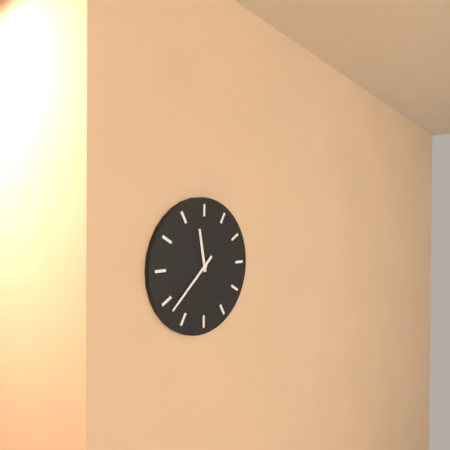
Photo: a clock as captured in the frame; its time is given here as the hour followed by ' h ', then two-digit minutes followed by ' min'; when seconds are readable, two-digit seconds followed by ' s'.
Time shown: 11 h 38 min
